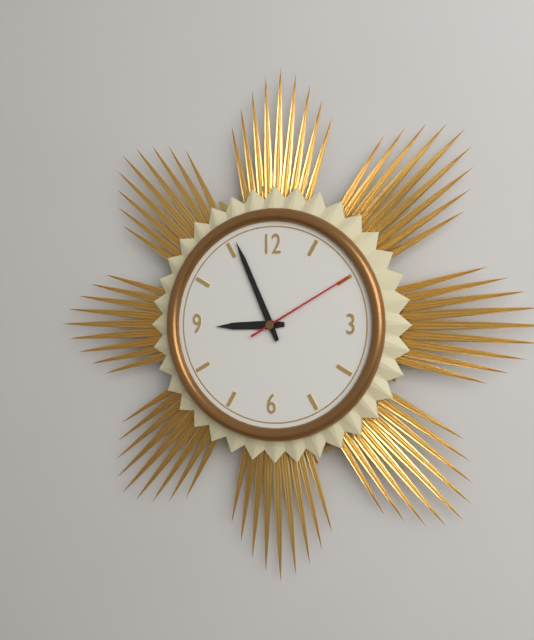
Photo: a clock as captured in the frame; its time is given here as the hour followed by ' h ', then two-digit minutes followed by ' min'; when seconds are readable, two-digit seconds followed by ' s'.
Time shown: 8 h 56 min 10 s
